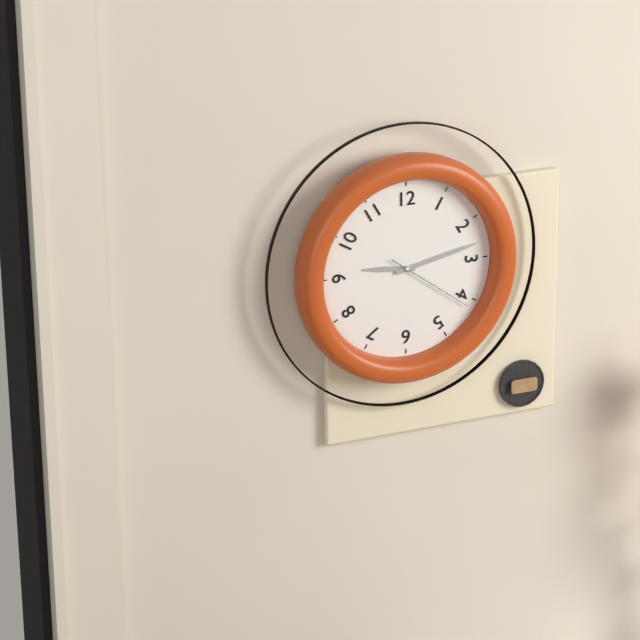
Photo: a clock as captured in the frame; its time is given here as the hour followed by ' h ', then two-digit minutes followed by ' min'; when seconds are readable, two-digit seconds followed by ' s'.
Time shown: 9 h 13 min 21 s
